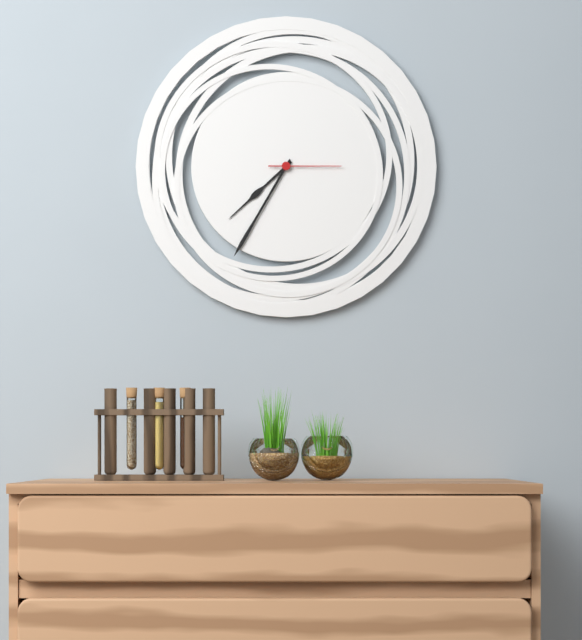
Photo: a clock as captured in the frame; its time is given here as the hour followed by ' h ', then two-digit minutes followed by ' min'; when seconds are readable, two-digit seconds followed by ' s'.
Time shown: 7 h 35 min 15 s
